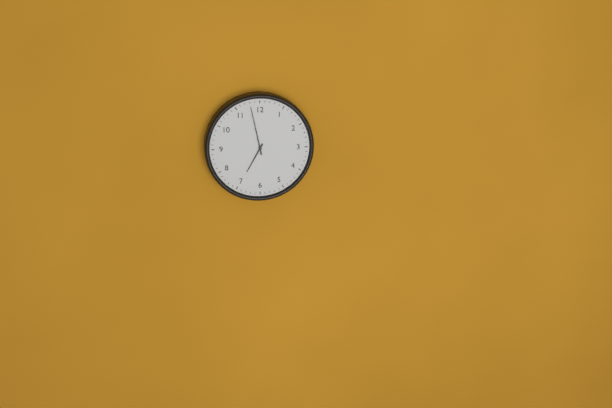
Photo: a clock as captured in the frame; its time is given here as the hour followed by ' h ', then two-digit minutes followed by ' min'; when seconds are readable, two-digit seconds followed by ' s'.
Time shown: 6 h 58 min
